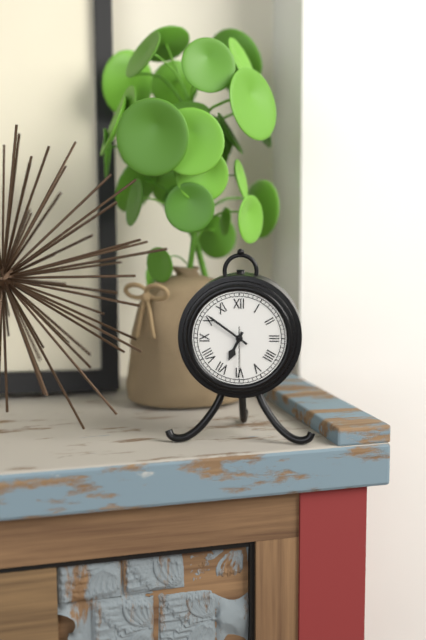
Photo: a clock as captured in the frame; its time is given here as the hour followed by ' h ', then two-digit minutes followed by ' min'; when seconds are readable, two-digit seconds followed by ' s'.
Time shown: 6 h 51 min 30 s
